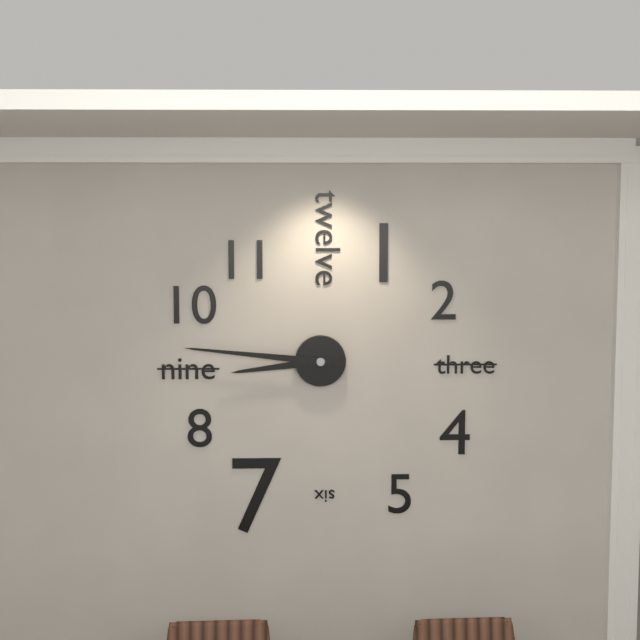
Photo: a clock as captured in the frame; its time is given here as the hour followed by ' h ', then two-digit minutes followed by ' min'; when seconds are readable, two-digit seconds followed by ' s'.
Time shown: 8 h 46 min
